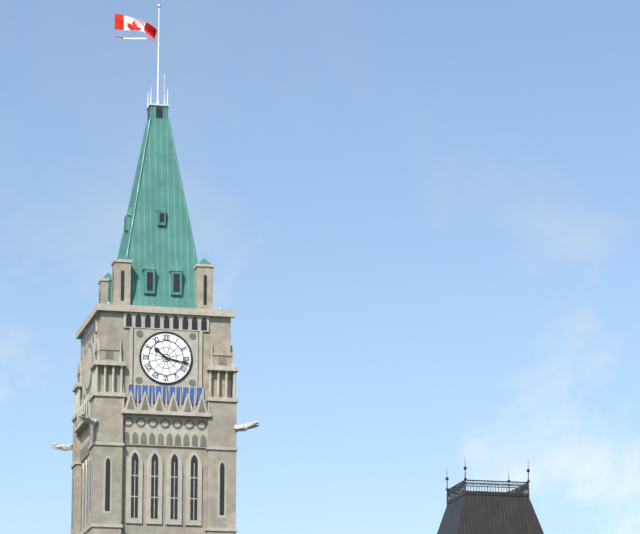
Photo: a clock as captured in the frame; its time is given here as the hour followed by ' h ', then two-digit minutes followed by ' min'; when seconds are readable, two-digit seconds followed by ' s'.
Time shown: 10 h 17 min
